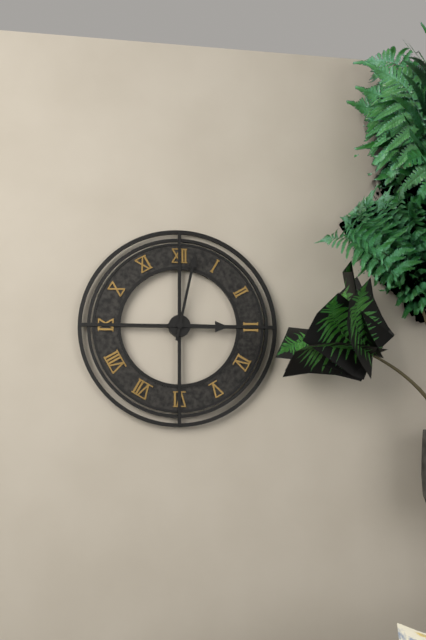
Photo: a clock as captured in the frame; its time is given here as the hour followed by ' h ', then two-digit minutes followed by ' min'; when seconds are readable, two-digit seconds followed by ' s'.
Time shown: 3 h 02 min
